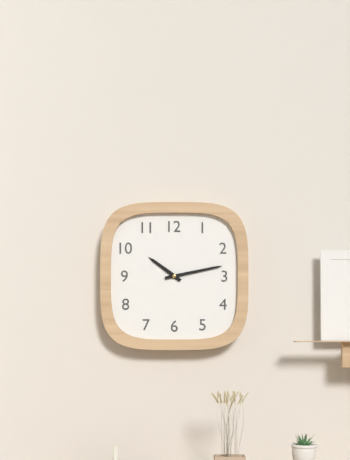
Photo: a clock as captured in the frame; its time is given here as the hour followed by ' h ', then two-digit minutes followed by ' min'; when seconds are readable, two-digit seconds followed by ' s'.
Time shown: 10 h 13 min
